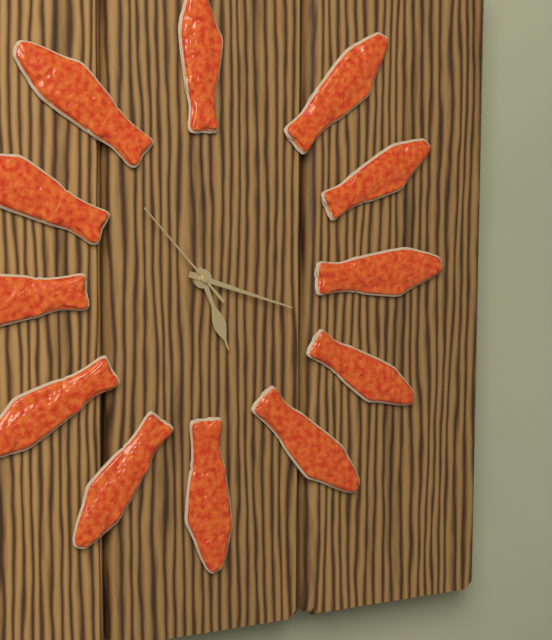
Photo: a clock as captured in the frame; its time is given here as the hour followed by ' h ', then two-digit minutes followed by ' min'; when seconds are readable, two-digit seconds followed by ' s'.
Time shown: 5 h 18 min 53 s
